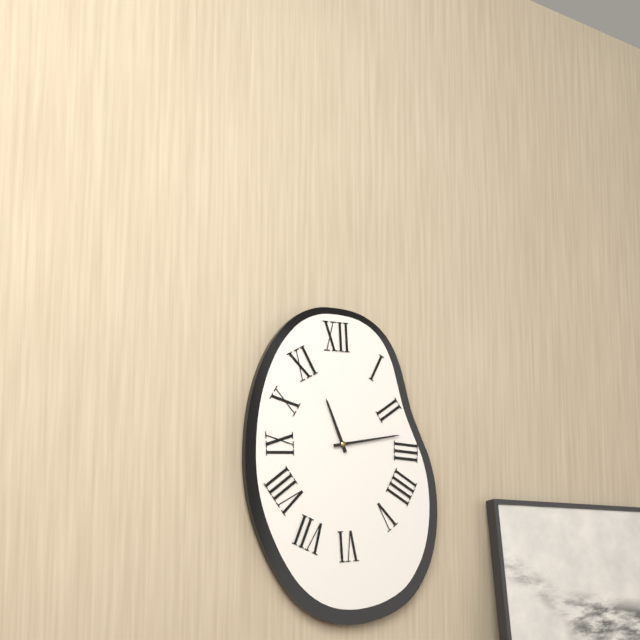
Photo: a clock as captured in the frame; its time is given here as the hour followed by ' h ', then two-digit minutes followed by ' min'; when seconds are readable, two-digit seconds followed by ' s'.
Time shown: 11 h 13 min
